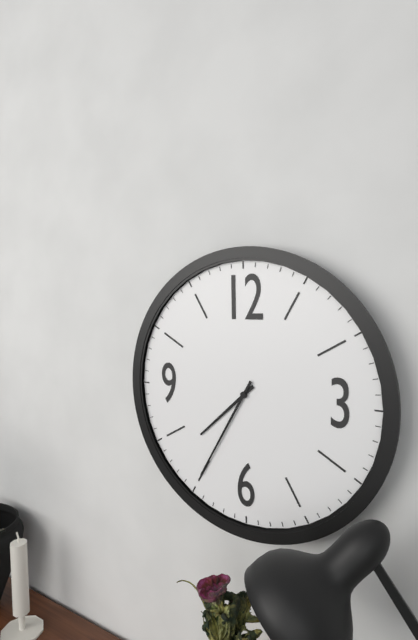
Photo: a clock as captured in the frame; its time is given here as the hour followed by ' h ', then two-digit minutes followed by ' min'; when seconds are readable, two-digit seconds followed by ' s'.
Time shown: 7 h 35 min
